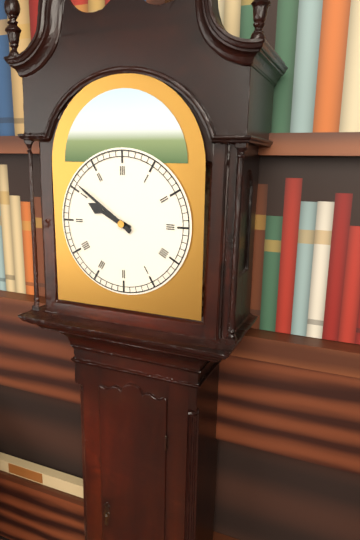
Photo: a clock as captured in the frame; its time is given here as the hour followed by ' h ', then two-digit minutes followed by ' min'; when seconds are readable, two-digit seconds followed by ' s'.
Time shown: 9 h 51 min
